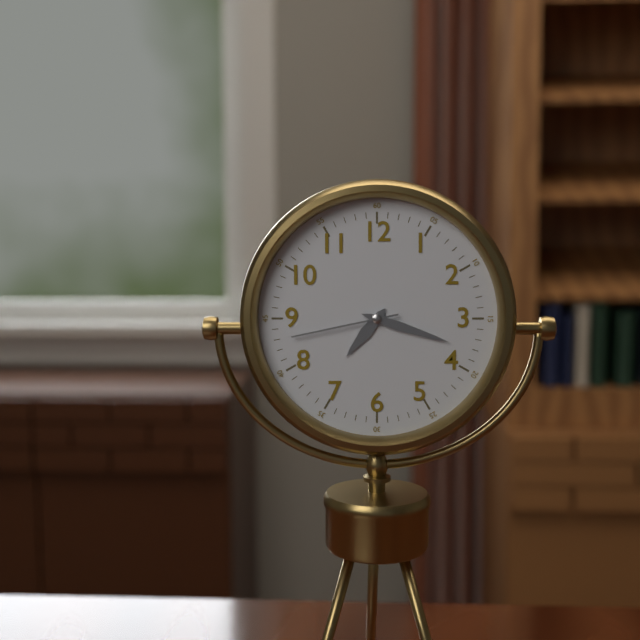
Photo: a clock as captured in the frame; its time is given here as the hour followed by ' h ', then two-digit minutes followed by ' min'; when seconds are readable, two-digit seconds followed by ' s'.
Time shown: 7 h 18 min 43 s
